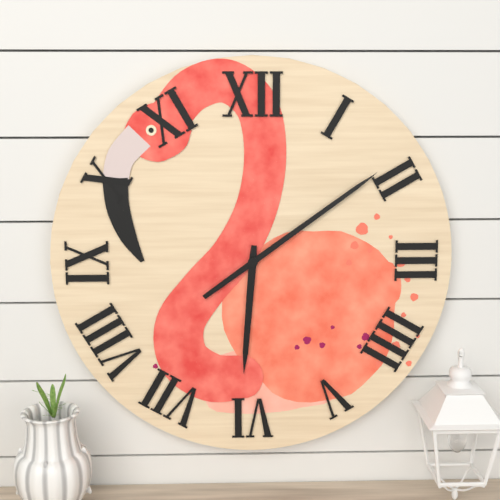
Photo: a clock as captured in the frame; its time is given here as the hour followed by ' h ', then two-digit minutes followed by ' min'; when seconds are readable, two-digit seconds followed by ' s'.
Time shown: 6 h 09 min
